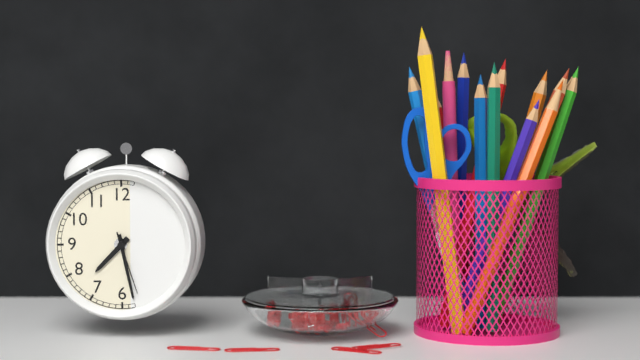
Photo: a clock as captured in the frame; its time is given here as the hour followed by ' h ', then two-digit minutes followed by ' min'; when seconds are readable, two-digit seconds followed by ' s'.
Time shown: 7 h 28 min 27 s
